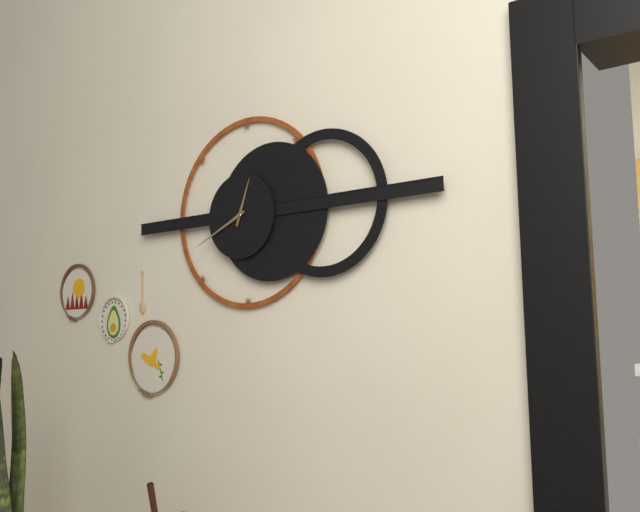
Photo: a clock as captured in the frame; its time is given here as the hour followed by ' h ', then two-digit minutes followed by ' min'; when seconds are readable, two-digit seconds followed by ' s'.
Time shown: 12 h 41 min
